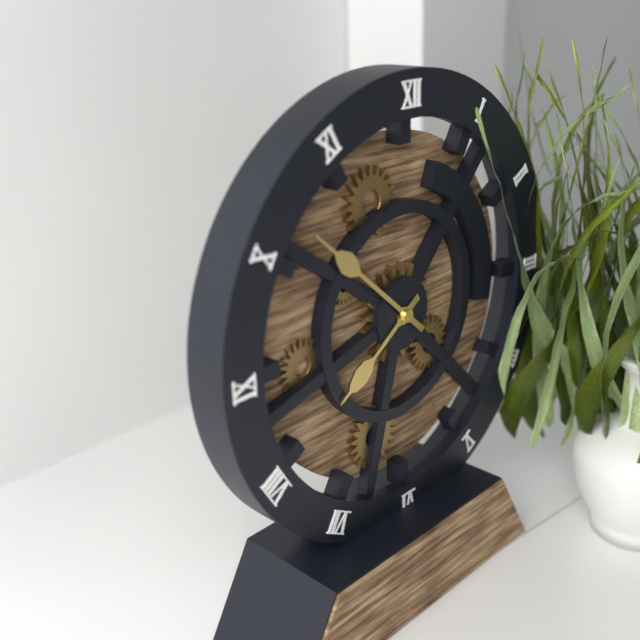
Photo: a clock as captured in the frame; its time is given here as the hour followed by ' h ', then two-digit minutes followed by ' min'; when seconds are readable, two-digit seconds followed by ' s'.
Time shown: 7 h 52 min
